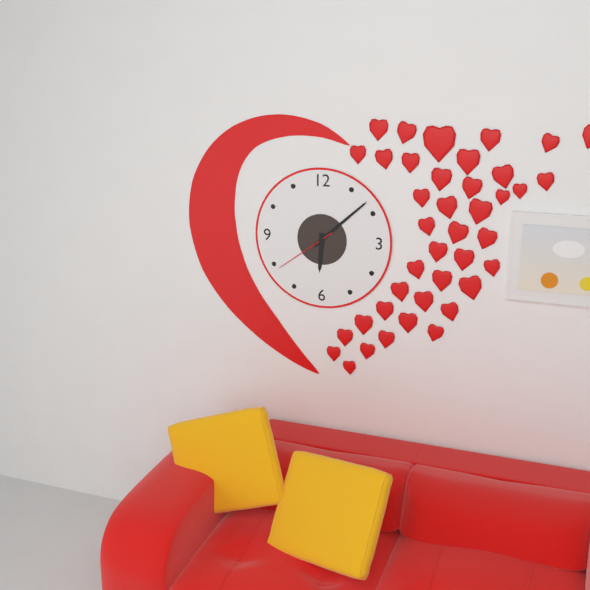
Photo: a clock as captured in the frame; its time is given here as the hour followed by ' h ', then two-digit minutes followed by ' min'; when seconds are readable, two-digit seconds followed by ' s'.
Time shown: 6 h 08 min 39 s
